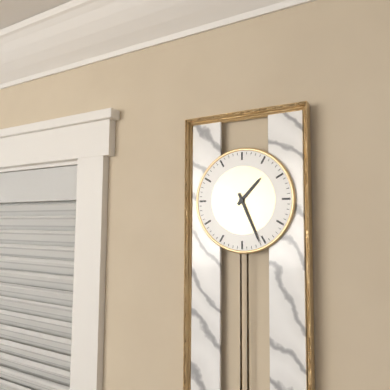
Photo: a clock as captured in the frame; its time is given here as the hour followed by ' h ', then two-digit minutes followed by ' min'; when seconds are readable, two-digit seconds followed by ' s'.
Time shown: 1 h 26 min
